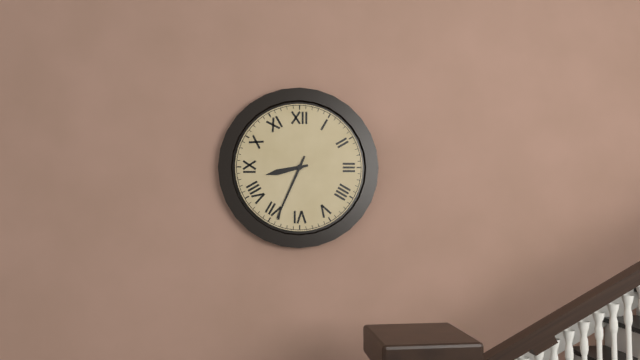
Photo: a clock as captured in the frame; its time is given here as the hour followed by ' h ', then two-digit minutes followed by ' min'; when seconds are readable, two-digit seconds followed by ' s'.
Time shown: 8 h 34 min
